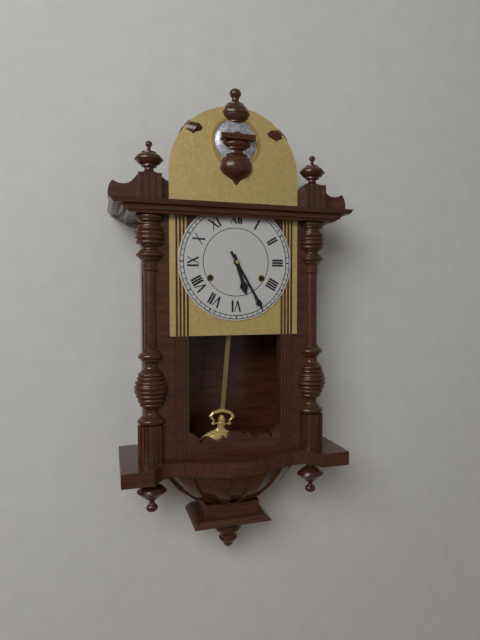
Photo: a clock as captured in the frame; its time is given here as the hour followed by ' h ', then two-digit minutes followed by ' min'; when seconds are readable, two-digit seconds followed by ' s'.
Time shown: 5 h 25 min
